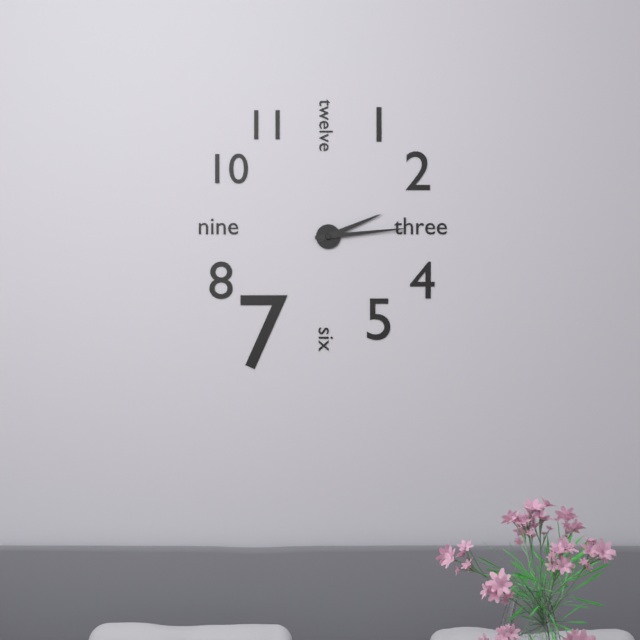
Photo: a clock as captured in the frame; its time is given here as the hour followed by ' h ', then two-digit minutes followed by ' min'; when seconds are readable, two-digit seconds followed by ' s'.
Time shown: 2 h 14 min
